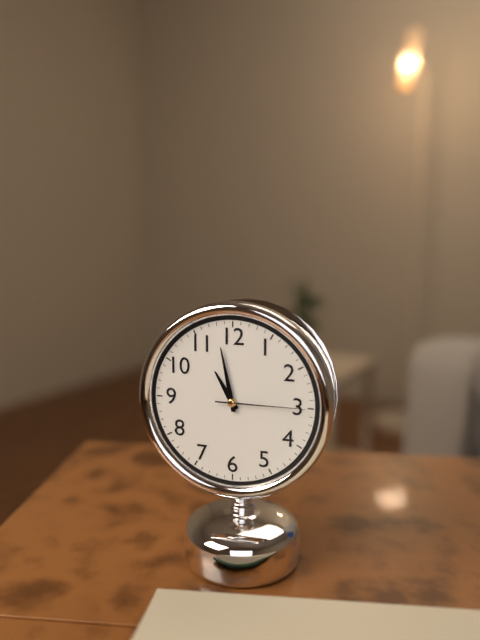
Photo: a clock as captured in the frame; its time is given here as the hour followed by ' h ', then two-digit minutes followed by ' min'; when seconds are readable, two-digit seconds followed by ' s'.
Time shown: 10 h 58 min 15 s
